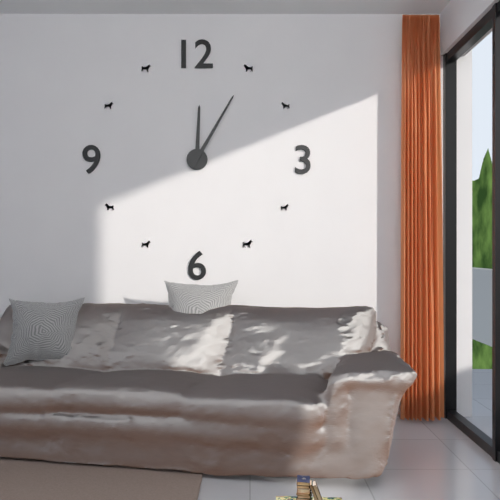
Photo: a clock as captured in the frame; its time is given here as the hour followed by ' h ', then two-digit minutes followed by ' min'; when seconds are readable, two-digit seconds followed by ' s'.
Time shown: 12 h 05 min
